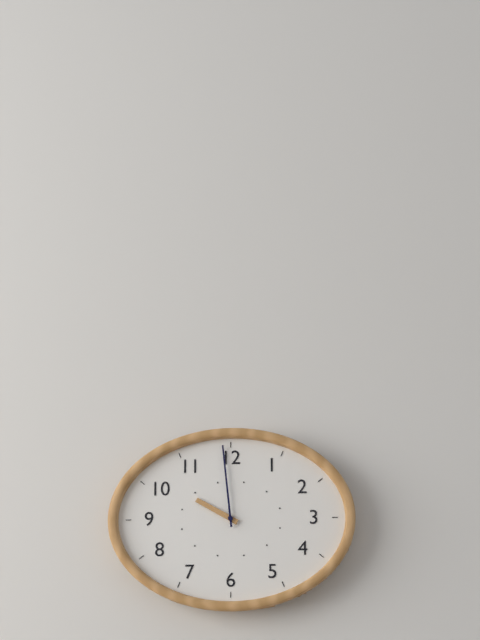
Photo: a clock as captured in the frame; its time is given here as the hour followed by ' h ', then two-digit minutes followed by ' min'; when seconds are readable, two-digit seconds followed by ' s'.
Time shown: 9 h 59 min
